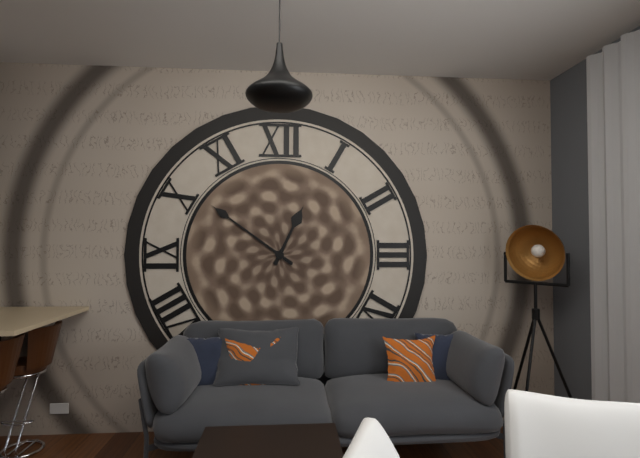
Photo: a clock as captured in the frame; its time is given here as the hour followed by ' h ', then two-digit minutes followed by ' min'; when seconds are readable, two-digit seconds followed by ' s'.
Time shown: 12 h 51 min
